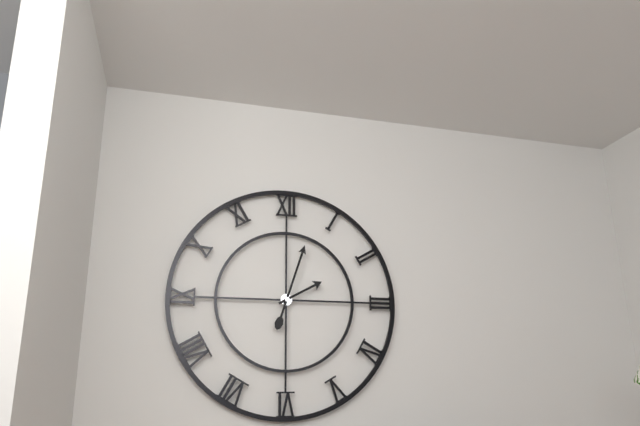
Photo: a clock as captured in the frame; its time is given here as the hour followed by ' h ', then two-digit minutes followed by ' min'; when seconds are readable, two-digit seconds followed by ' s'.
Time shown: 2 h 03 min
